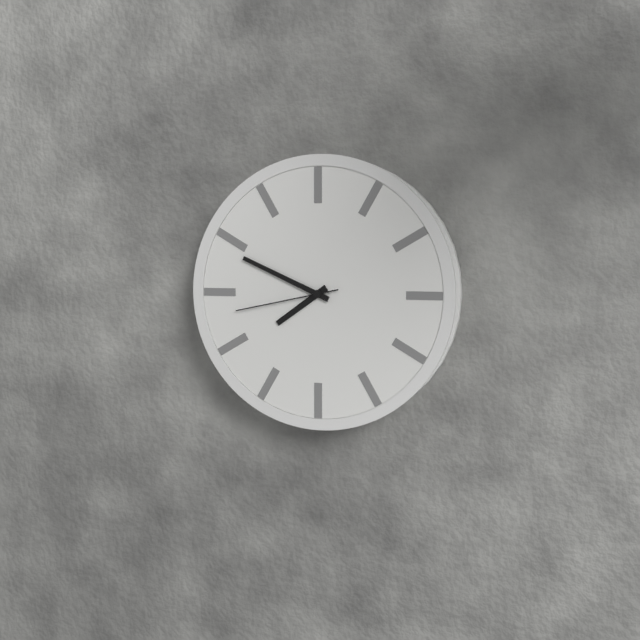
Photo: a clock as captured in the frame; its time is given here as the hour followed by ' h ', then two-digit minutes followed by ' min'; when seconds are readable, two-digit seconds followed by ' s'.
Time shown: 7 h 49 min 43 s
